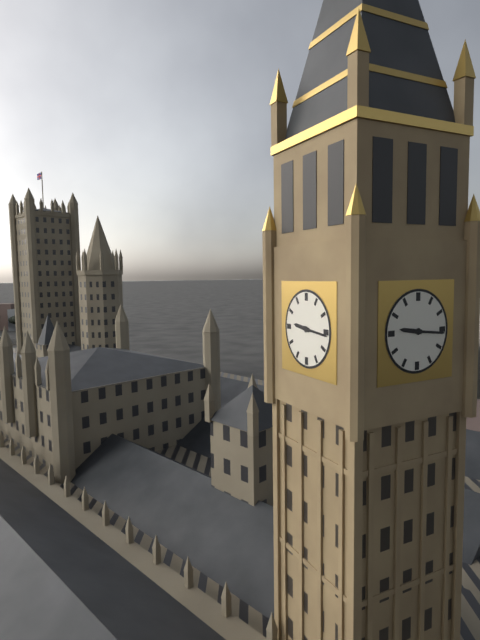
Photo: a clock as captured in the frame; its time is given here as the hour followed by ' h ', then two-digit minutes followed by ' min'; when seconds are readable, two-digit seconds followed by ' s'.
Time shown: 9 h 16 min
